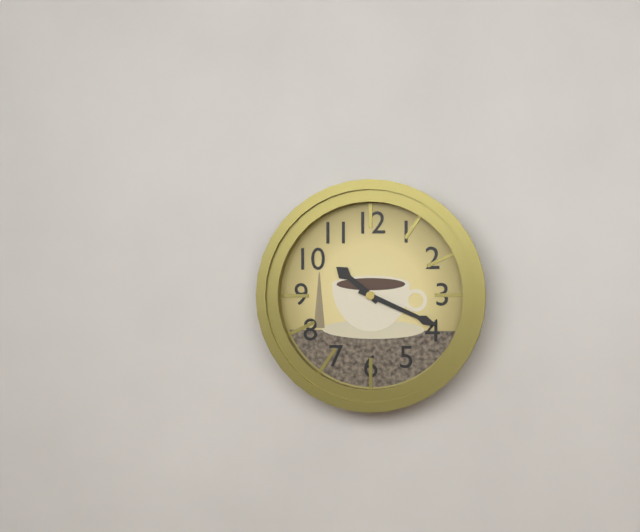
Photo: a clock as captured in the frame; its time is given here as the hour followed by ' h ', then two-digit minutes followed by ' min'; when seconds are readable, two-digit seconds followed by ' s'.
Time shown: 10 h 19 min
